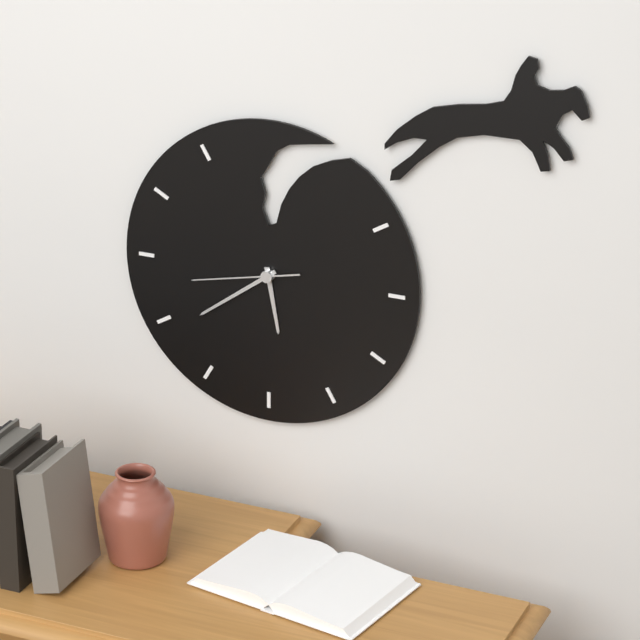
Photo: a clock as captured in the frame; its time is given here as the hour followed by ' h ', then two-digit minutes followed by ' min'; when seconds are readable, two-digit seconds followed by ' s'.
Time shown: 5 h 39 min 43 s
